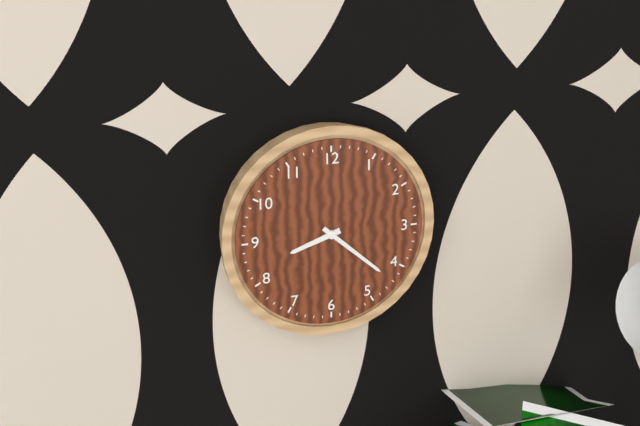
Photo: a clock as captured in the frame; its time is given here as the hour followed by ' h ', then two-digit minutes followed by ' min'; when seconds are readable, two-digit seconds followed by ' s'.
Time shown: 8 h 22 min
